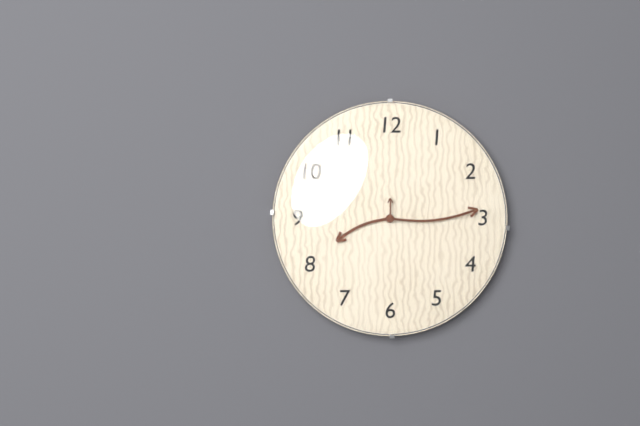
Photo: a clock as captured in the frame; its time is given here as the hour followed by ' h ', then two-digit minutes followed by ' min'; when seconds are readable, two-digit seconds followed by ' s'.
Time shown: 8 h 14 min
